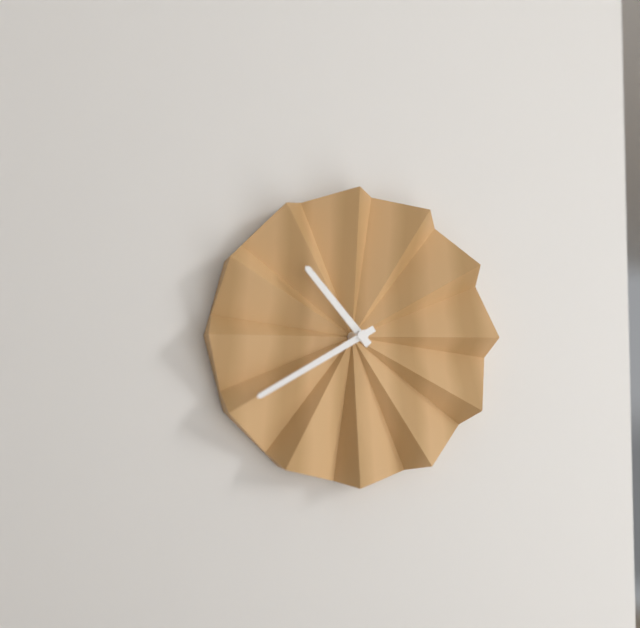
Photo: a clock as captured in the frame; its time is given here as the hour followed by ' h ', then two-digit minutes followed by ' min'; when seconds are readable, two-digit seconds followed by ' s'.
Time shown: 10 h 40 min
